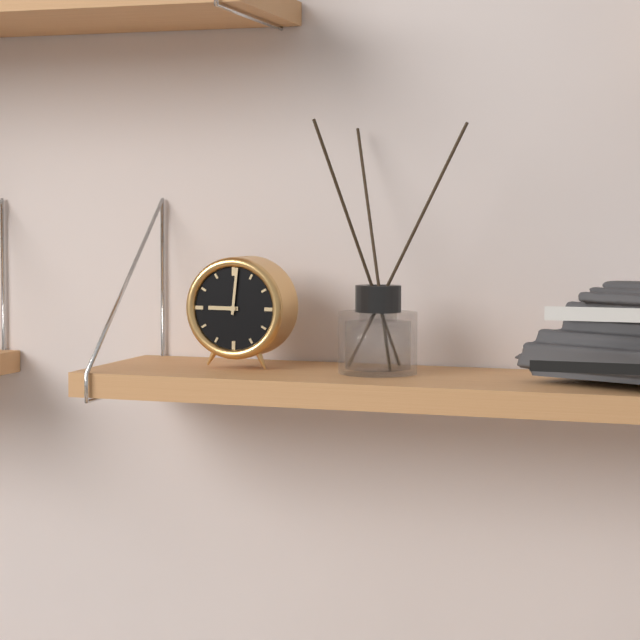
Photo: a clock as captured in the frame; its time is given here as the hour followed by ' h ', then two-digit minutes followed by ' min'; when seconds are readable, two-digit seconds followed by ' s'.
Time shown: 9 h 01 min
